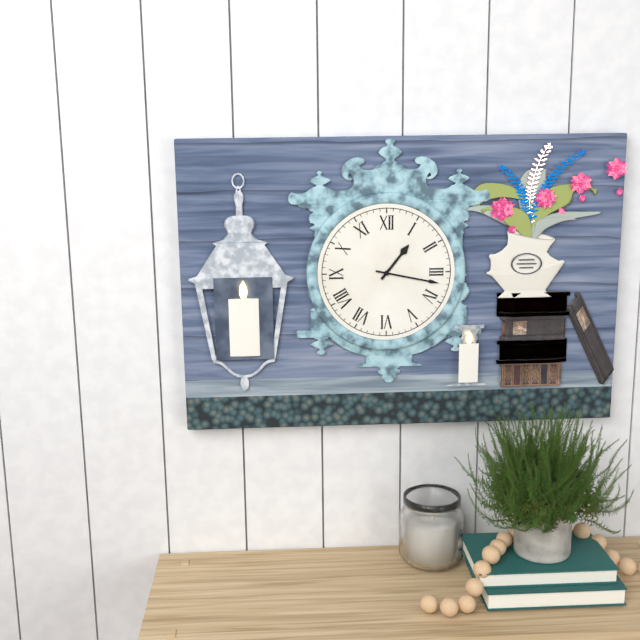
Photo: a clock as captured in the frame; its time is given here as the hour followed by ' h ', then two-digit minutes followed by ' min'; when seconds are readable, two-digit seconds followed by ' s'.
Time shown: 1 h 17 min
